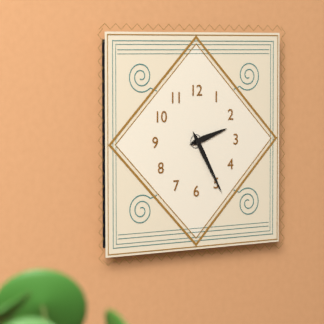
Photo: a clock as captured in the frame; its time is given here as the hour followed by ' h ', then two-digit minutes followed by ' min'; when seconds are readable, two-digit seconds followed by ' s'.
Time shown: 2 h 25 min
